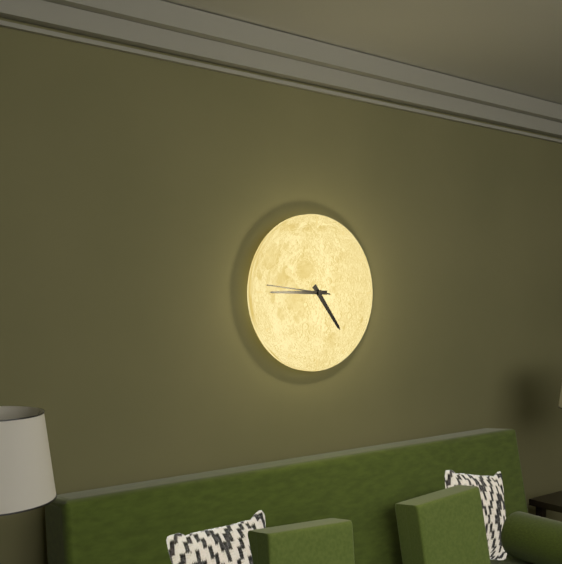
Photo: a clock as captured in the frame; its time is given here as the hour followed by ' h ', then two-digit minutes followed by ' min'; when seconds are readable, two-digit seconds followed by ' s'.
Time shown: 4 h 45 min 46 s
